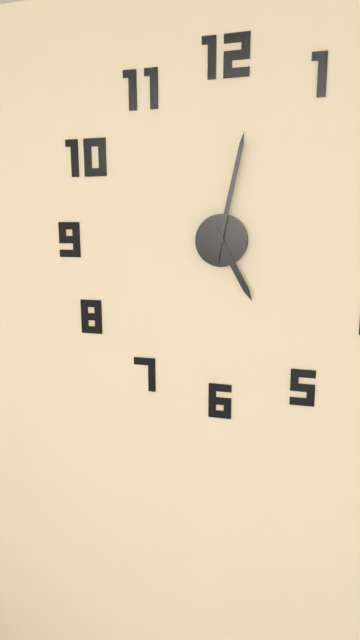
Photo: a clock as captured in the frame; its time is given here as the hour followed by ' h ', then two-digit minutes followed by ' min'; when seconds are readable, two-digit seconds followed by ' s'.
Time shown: 5 h 02 min
